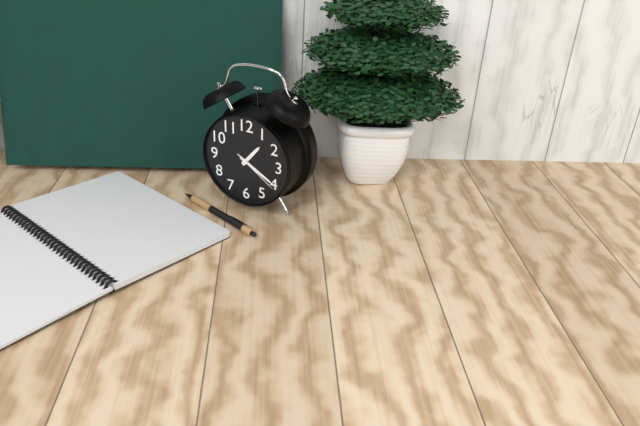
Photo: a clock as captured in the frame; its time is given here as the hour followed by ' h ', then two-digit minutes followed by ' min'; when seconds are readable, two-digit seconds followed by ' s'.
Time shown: 1 h 20 min
